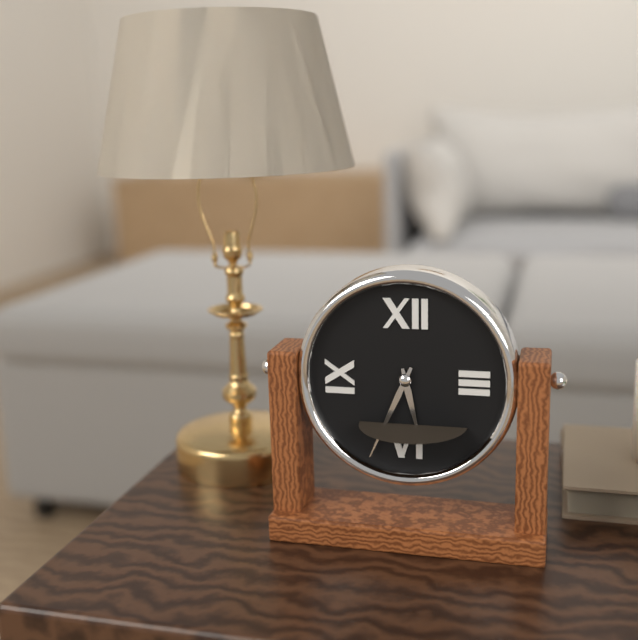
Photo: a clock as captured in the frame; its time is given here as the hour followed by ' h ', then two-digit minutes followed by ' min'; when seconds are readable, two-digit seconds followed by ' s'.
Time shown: 5 h 34 min
